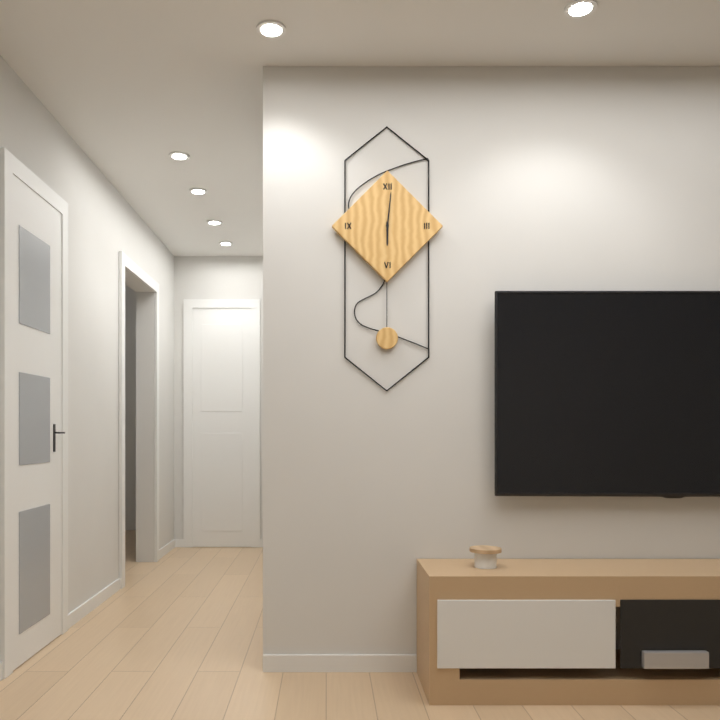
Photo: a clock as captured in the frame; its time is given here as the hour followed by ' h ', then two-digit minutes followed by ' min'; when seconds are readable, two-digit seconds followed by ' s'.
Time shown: 6 h 01 min
